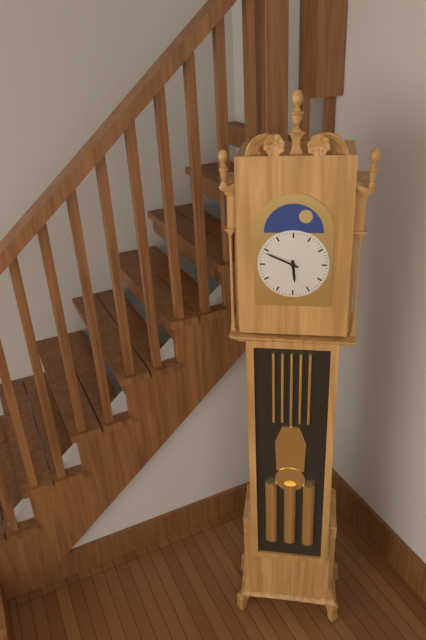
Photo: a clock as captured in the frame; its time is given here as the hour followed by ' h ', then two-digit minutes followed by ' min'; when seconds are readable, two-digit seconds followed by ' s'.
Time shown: 5 h 49 min
